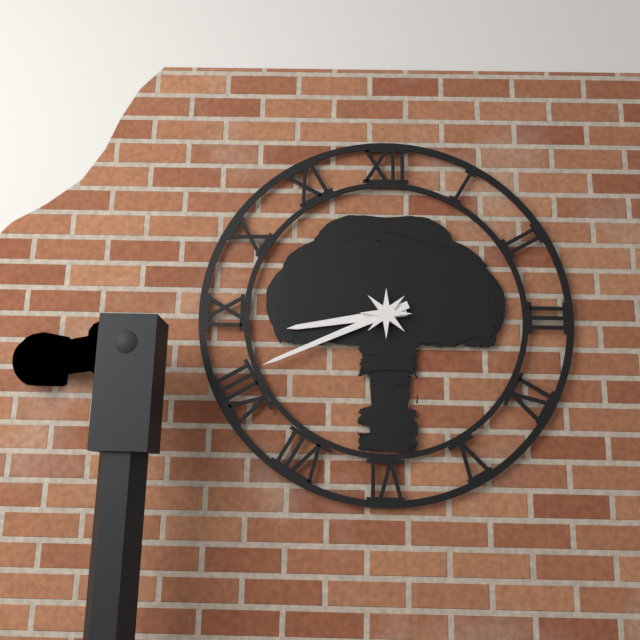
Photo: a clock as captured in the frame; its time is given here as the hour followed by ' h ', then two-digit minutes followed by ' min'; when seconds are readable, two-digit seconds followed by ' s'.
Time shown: 8 h 41 min
